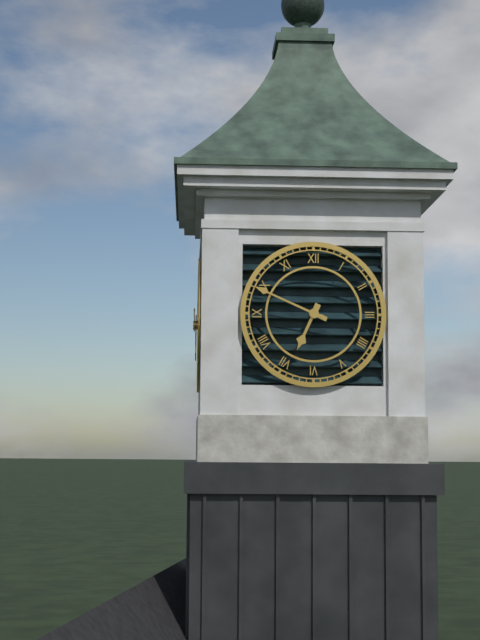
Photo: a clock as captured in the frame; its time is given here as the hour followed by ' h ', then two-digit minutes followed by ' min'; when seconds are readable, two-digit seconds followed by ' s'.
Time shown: 6 h 49 min
